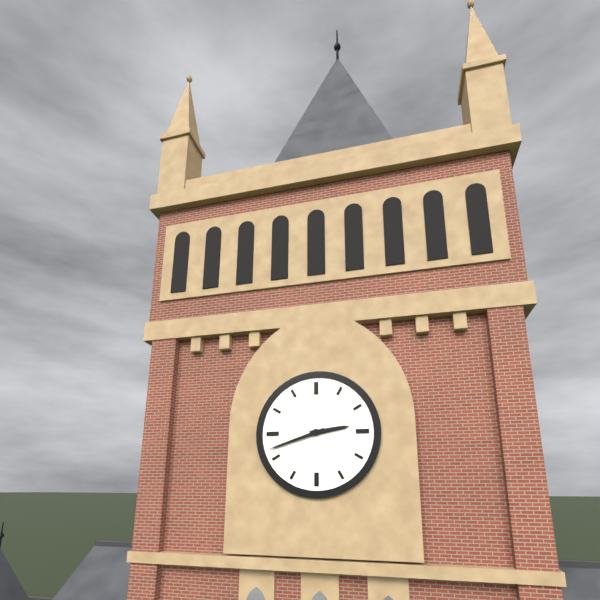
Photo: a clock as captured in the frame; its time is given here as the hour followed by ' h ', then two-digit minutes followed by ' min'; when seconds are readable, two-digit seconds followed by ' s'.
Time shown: 2 h 42 min
